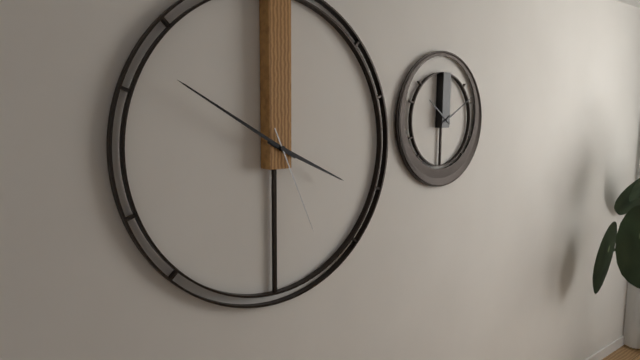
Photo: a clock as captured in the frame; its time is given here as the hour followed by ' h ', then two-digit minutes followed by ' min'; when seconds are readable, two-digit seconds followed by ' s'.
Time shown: 3 h 50 min 26 s
